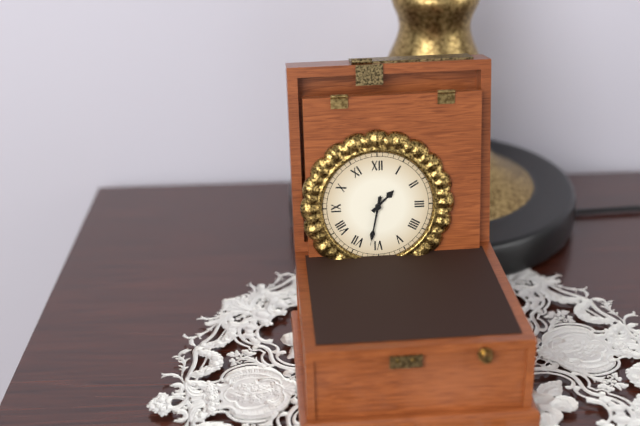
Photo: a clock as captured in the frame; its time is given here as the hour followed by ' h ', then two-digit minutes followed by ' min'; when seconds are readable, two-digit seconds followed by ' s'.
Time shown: 1 h 32 min 32 s
